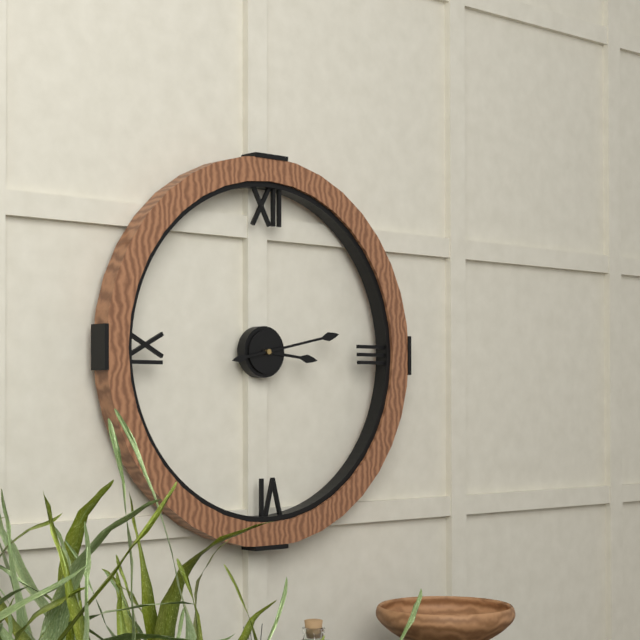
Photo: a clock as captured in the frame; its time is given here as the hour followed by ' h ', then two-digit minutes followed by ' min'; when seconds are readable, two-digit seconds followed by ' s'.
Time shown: 3 h 13 min
